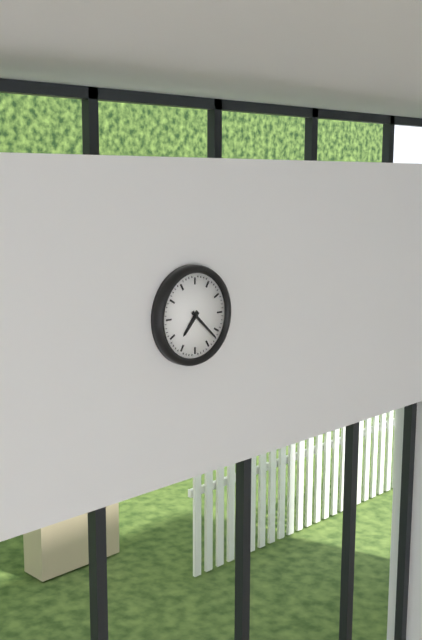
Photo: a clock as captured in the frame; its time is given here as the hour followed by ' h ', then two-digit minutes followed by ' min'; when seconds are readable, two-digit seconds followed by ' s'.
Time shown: 7 h 22 min
